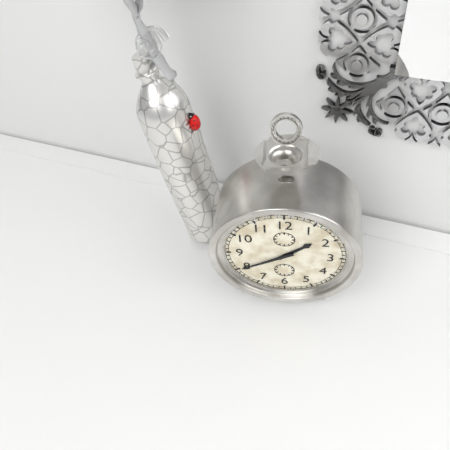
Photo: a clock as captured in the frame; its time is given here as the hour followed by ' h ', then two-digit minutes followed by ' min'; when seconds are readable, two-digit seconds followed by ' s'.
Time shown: 1 h 40 min
